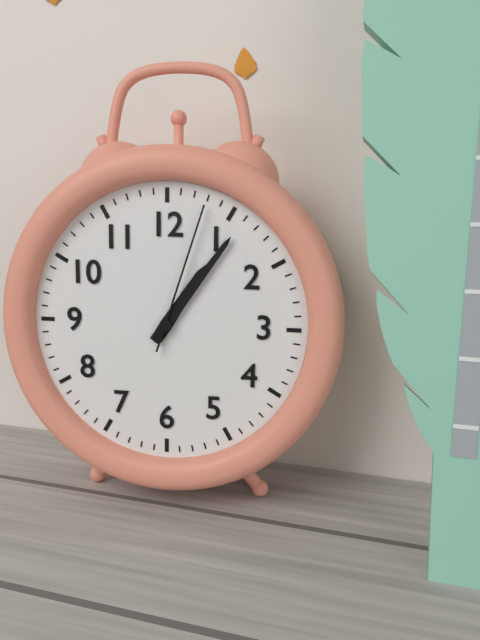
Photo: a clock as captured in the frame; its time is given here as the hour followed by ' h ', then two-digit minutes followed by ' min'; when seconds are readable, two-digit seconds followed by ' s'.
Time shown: 1 h 06 min 03 s
